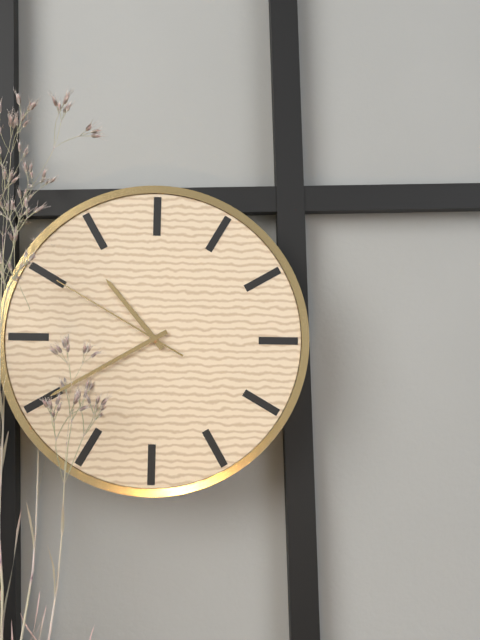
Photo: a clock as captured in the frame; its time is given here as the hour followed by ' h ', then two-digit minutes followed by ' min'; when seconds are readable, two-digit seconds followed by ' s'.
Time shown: 10 h 40 min 50 s
